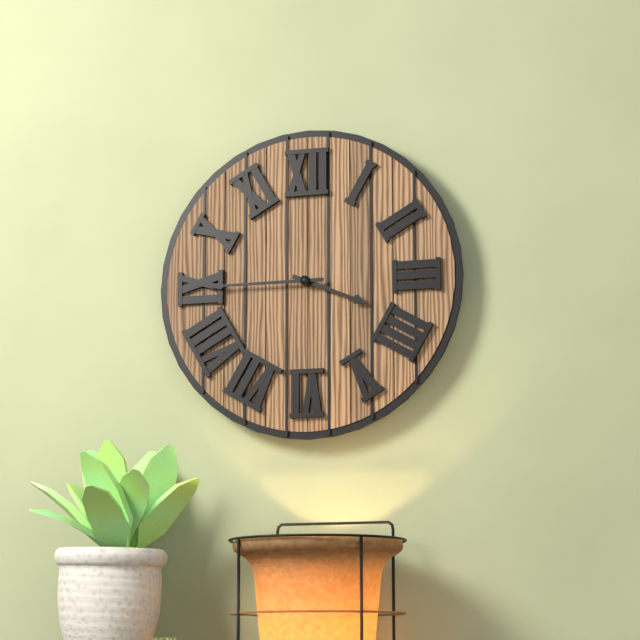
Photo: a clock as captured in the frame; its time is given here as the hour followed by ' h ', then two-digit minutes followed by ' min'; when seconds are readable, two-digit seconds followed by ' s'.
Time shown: 3 h 45 min
